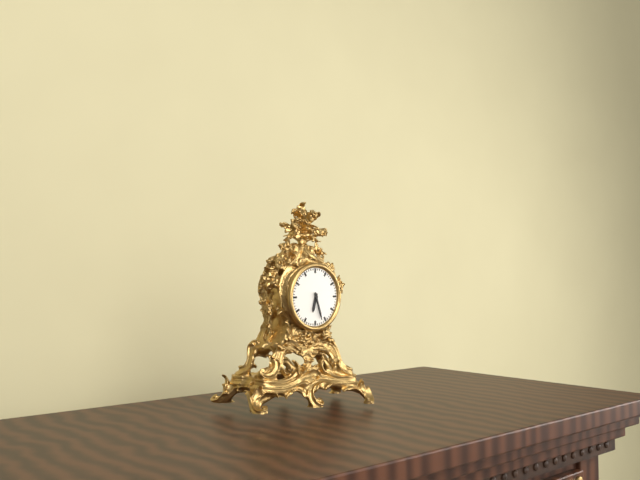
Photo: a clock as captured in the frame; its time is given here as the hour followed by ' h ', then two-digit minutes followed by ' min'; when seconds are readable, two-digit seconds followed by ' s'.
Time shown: 6 h 27 min
